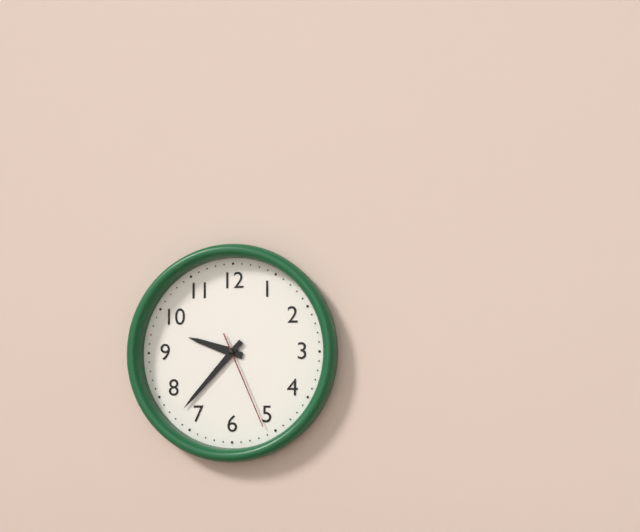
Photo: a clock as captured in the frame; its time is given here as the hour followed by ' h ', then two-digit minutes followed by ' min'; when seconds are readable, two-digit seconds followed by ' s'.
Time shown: 9 h 37 min 26 s
